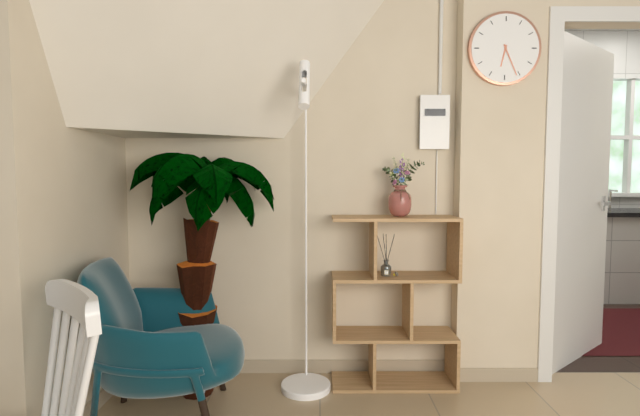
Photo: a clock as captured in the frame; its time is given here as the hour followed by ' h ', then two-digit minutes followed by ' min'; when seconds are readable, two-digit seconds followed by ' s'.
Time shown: 6 h 26 min
